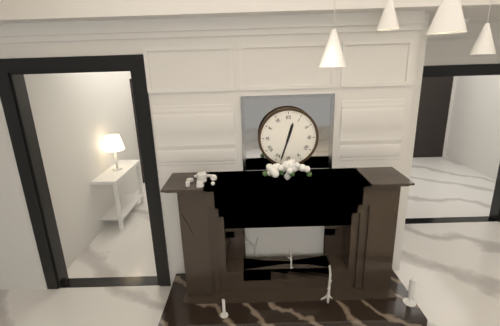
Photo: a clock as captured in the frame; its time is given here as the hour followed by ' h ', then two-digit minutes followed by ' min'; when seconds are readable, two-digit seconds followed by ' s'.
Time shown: 12 h 33 min
